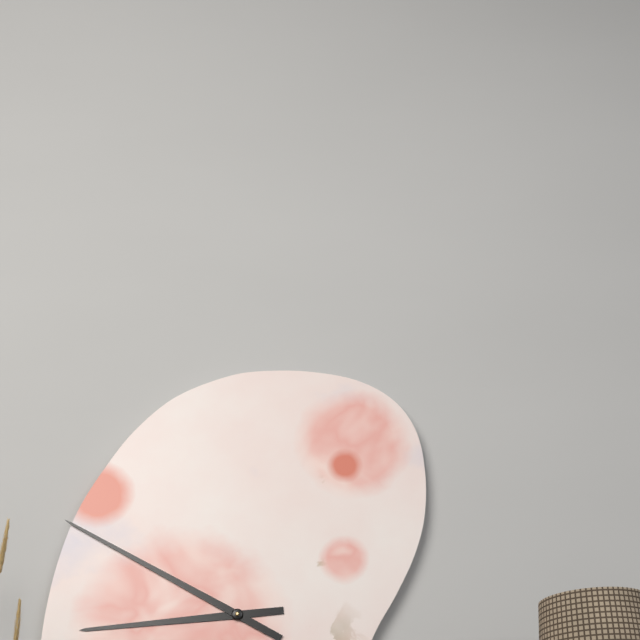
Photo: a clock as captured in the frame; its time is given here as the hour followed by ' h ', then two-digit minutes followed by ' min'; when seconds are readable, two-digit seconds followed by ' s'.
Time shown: 8 h 50 min
